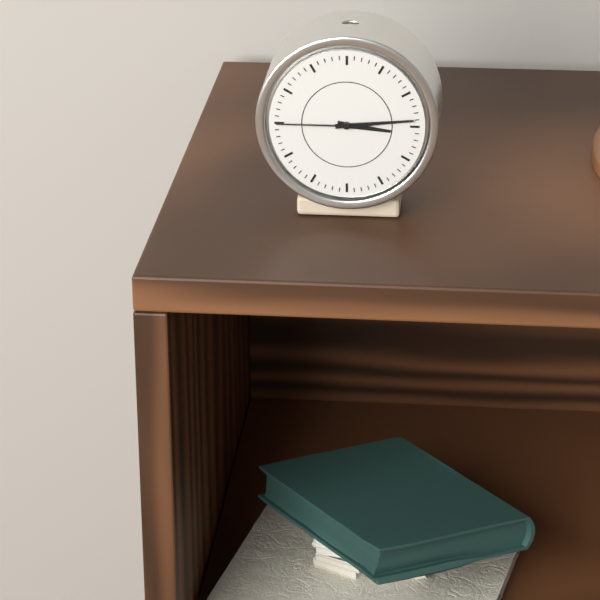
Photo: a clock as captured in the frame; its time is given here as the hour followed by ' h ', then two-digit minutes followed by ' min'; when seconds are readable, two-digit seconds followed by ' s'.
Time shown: 3 h 14 min 45 s
